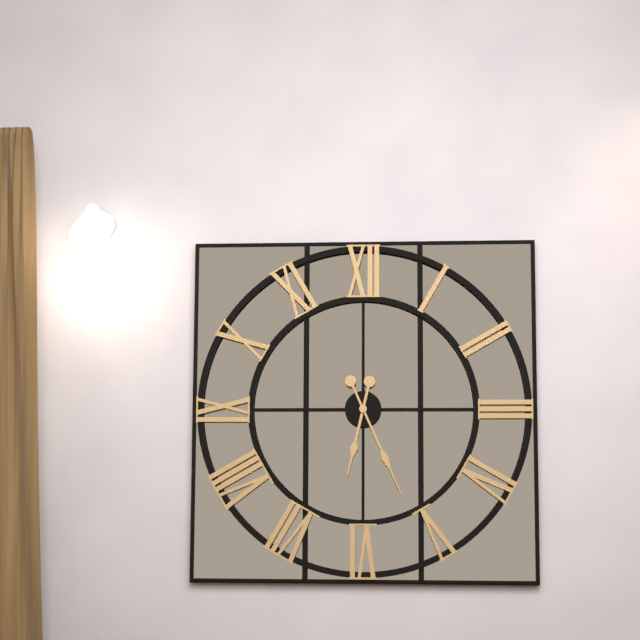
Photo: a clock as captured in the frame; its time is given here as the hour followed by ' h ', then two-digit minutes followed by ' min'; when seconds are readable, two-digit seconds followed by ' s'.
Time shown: 6 h 26 min
